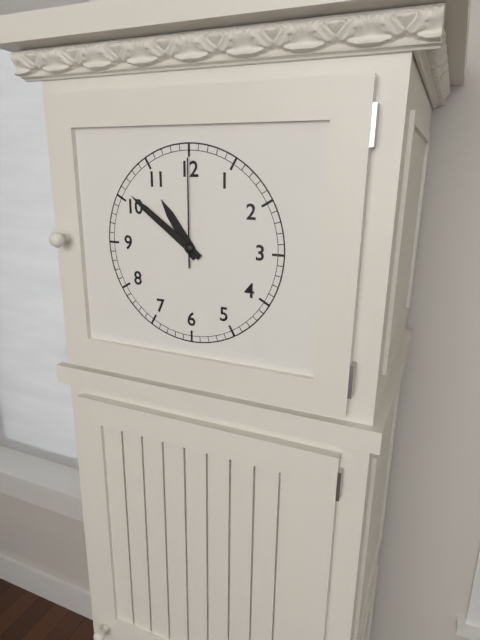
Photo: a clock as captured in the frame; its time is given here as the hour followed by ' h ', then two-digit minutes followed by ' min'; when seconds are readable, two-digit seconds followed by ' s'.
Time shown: 10 h 51 min 00 s
